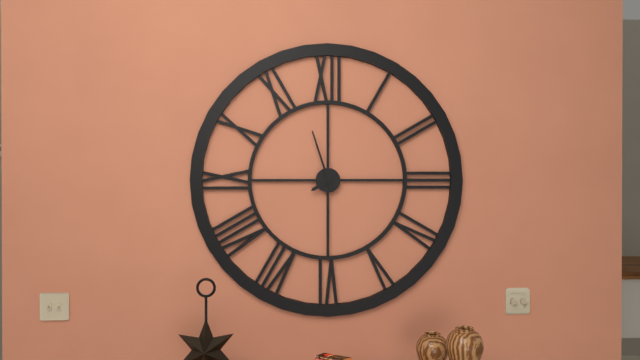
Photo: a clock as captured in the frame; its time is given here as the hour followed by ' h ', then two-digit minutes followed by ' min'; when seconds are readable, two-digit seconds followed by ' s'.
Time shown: 7 h 57 min
